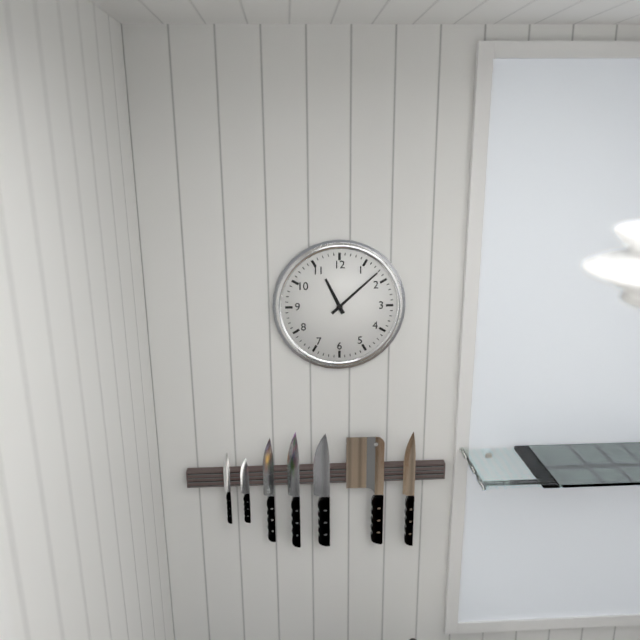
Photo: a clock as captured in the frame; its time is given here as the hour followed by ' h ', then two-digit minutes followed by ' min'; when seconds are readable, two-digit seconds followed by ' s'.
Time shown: 11 h 08 min
